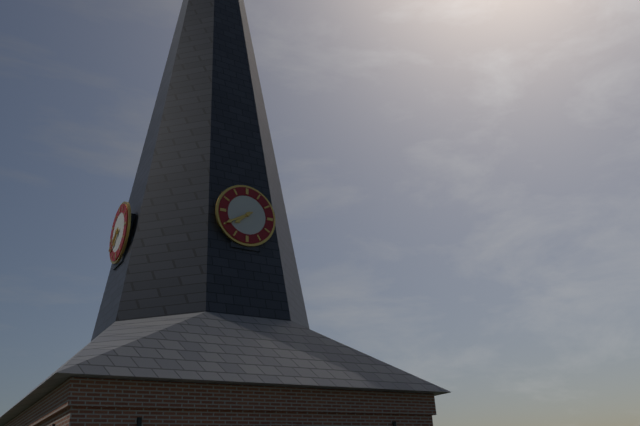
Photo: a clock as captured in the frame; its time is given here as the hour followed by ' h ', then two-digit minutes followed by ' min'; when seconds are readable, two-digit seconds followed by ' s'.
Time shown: 7 h 40 min
